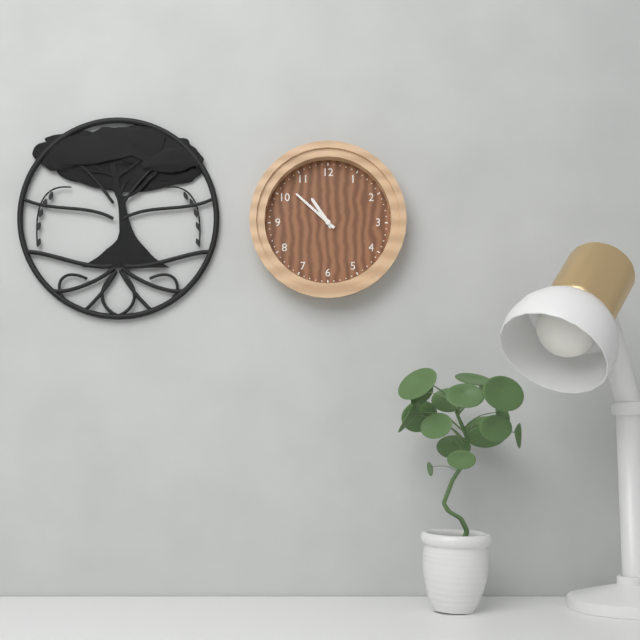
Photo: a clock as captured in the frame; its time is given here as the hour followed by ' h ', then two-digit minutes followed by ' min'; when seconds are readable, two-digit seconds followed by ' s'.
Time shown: 10 h 52 min
